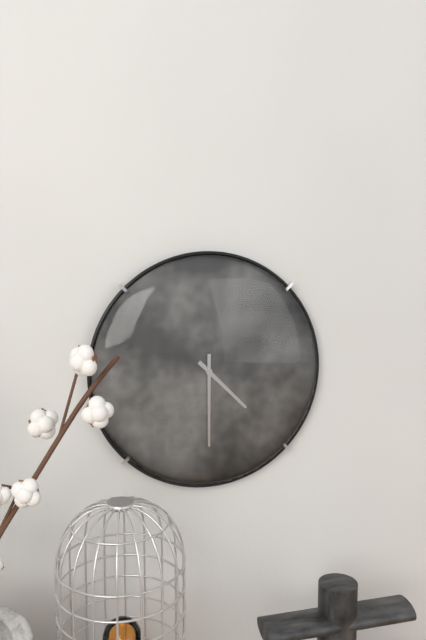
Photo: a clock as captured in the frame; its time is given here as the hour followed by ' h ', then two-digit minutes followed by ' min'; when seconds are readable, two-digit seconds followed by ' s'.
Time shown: 4 h 30 min
